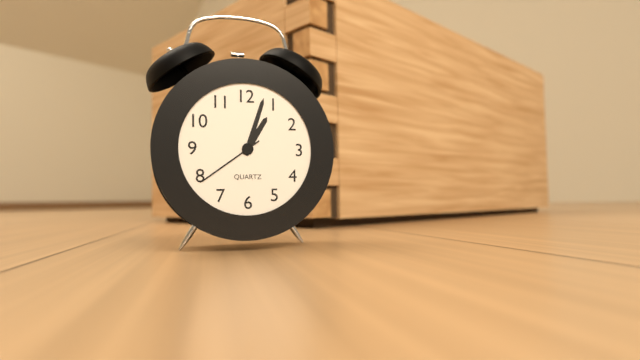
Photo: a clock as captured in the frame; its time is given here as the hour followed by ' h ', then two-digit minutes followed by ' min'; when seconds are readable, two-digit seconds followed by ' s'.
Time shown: 1 h 03 min 39 s
